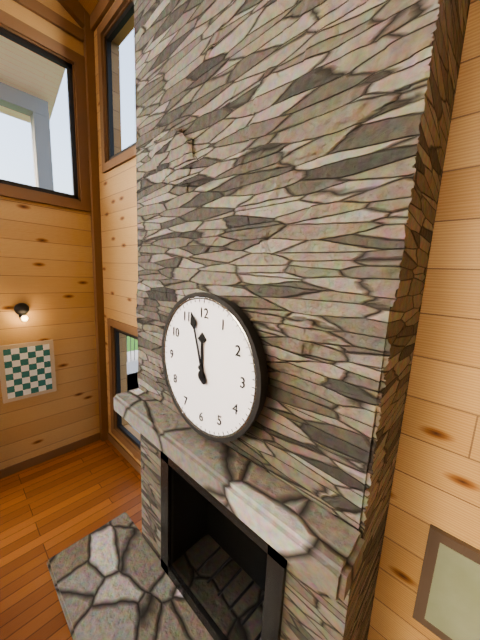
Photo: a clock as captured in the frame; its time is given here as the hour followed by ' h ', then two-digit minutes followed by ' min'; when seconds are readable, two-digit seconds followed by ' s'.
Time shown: 11 h 57 min
